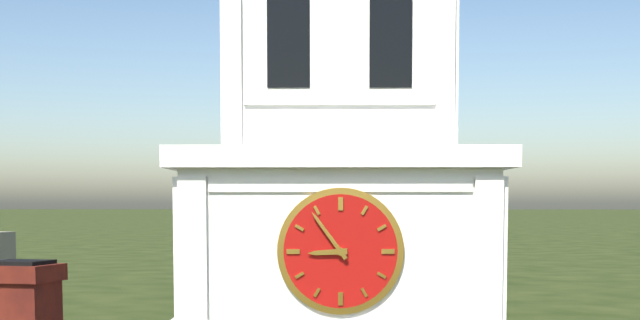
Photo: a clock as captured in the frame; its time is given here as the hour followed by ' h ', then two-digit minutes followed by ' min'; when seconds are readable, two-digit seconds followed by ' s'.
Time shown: 8 h 54 min
